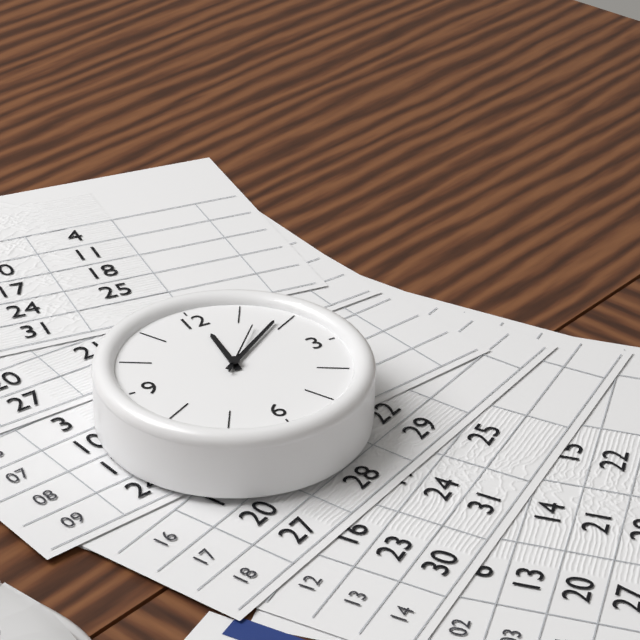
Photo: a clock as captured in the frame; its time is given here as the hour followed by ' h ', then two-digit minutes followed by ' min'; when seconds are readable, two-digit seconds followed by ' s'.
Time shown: 12 h 09 min 07 s
